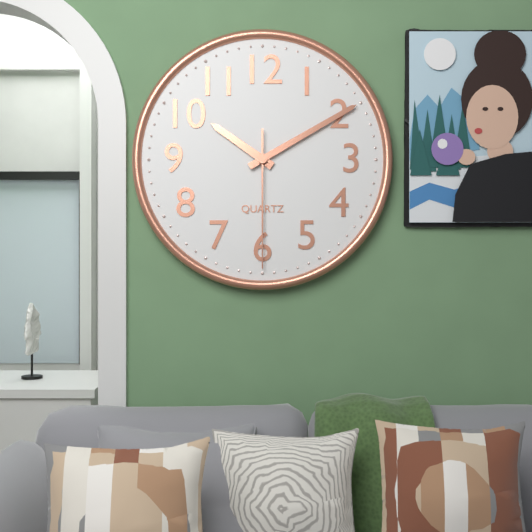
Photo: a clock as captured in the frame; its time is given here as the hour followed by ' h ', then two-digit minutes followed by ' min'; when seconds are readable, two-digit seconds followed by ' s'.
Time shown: 10 h 10 min 30 s
